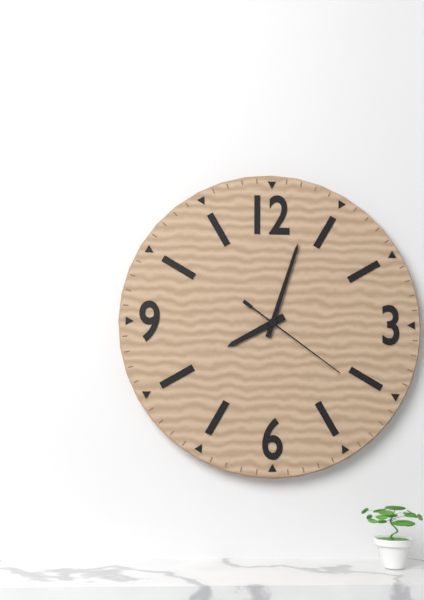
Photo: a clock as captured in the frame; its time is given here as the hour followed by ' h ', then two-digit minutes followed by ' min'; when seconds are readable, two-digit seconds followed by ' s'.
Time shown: 8 h 03 min 21 s
